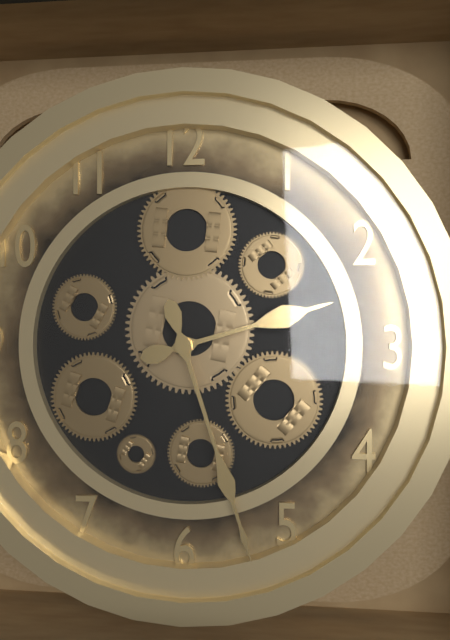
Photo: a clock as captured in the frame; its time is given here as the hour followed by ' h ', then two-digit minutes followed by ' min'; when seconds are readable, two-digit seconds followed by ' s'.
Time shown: 2 h 27 min
